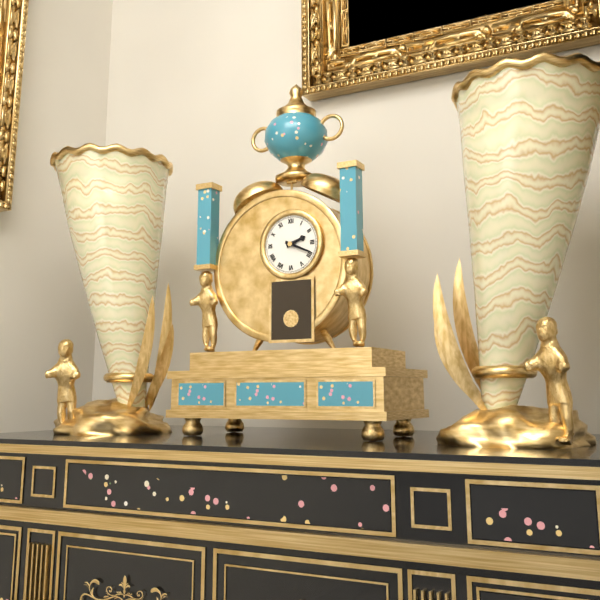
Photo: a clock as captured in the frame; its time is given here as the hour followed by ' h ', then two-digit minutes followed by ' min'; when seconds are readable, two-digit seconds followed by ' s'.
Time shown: 2 h 19 min
